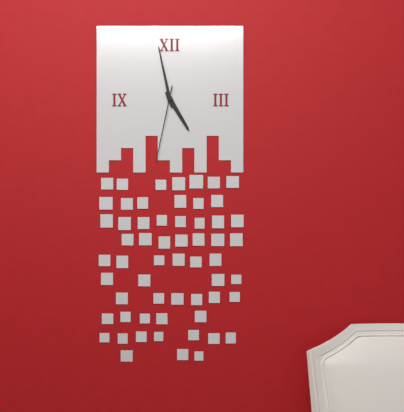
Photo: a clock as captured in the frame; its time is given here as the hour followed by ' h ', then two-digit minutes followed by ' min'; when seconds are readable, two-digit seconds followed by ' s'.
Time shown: 4 h 58 min 32 s
